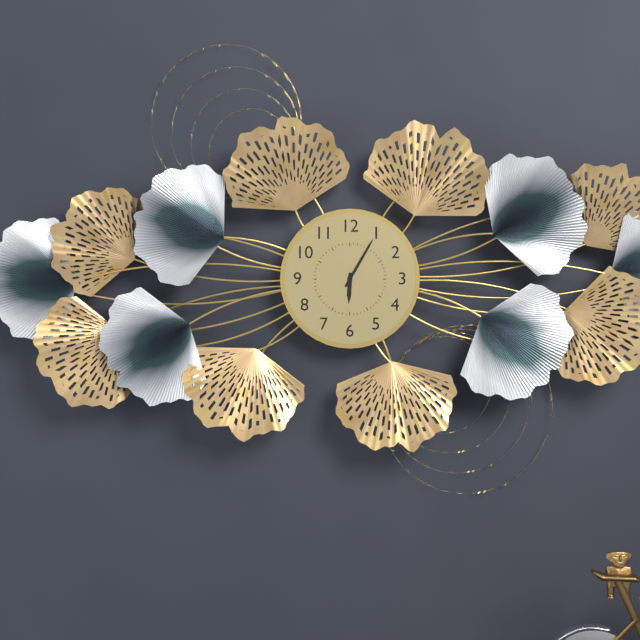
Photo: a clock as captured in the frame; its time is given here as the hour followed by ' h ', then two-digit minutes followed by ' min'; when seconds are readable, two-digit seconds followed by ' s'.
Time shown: 6 h 05 min
